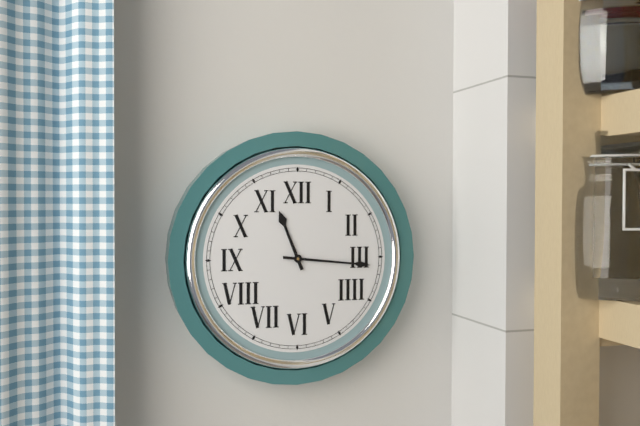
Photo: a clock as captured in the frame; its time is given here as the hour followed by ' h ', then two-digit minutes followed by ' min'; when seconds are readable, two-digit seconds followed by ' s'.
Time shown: 11 h 16 min
